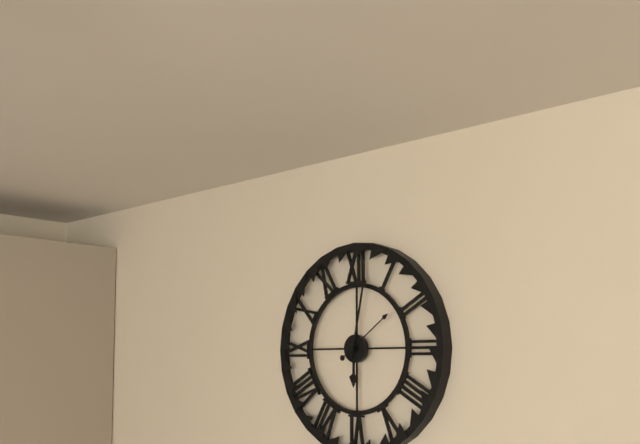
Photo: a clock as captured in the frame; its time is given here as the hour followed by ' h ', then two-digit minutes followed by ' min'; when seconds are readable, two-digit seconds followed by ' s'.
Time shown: 6 h 02 min 09 s
